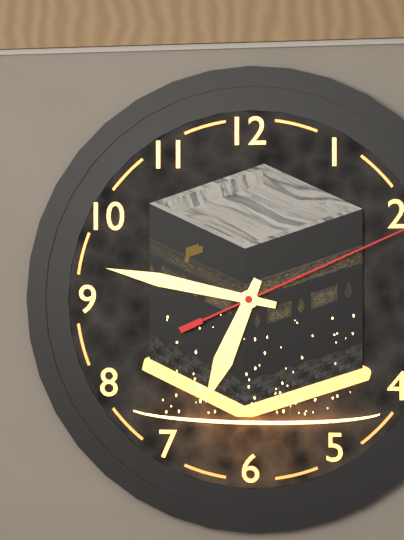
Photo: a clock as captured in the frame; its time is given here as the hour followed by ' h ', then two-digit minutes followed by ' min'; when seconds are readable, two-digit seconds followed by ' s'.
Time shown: 6 h 47 min
